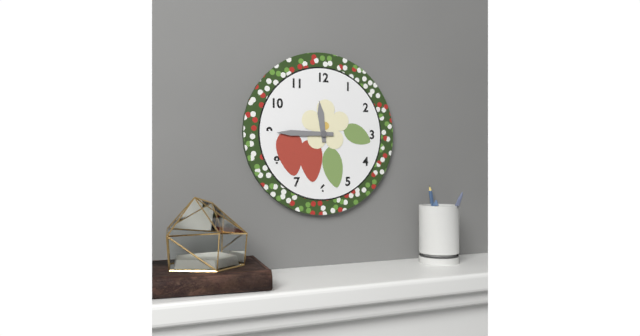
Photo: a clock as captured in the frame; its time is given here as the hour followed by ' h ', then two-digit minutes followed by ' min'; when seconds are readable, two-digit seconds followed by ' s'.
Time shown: 11 h 45 min
